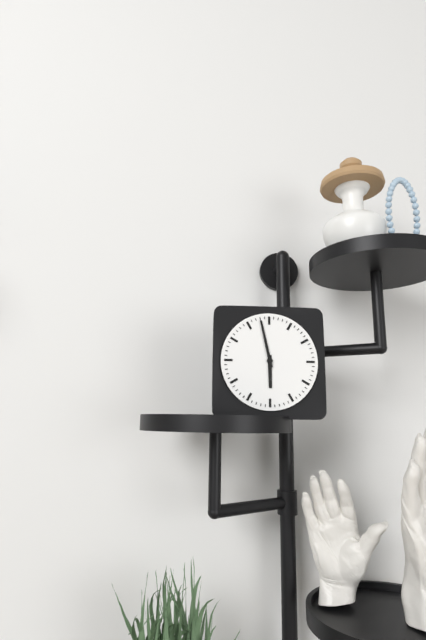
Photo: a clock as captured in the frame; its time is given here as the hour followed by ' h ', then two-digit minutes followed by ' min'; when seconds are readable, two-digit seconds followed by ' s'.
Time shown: 5 h 58 min
